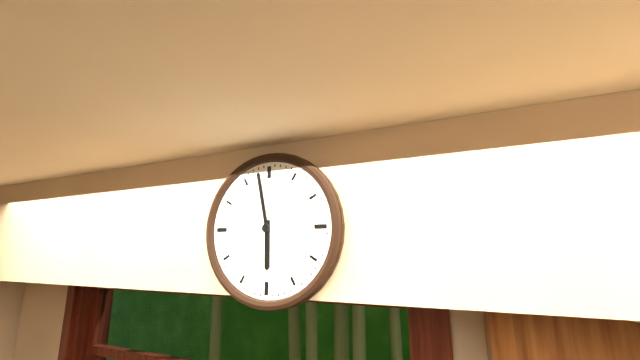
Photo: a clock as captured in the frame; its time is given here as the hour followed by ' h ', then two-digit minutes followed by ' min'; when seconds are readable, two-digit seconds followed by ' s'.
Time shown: 5 h 58 min
